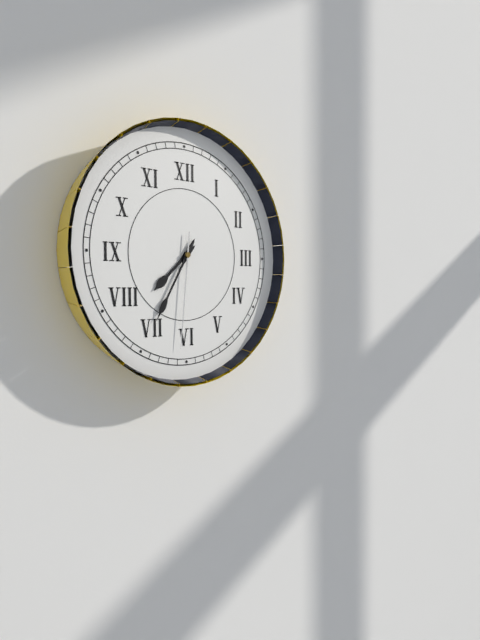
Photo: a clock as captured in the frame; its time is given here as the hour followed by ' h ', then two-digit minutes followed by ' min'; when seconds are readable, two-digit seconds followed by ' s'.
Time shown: 7 h 35 min 31 s
